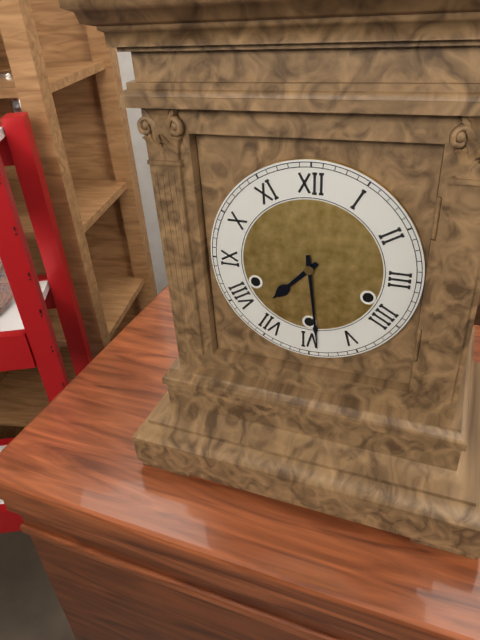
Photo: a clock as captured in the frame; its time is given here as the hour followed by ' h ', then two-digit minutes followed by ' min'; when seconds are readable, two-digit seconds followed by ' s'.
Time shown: 7 h 29 min
